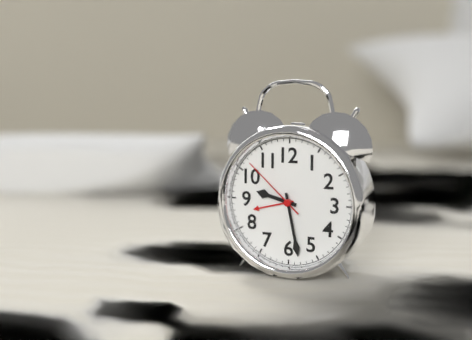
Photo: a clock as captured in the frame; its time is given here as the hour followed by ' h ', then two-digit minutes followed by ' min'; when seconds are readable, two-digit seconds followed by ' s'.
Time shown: 9 h 28 min 52 s
